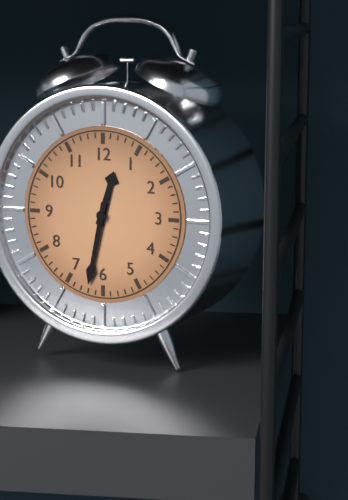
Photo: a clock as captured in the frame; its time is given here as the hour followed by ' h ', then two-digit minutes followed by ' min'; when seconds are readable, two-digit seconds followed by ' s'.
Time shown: 12 h 32 min
